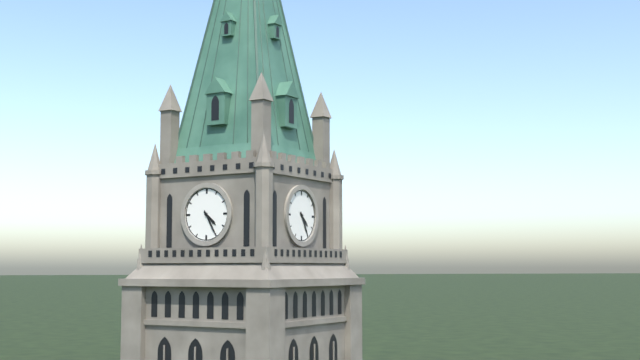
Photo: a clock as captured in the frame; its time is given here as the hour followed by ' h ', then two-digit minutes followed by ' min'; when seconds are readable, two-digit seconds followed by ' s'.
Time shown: 4 h 25 min
